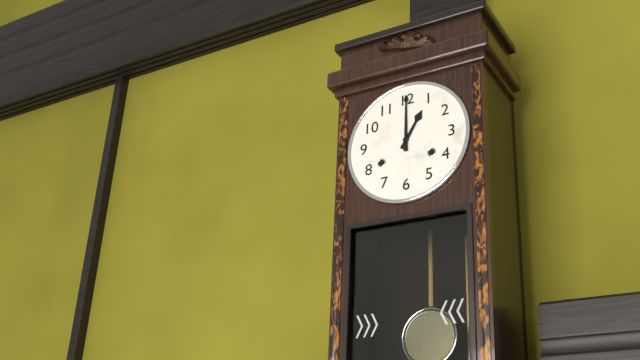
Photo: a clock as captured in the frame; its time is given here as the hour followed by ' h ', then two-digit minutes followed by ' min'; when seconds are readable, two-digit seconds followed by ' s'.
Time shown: 1 h 00 min
